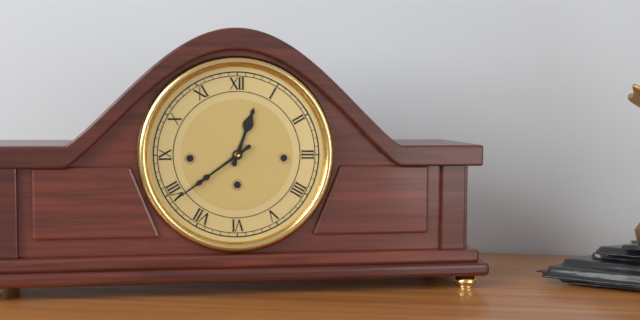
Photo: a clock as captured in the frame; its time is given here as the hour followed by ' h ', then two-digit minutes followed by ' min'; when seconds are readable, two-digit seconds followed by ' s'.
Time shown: 12 h 39 min
